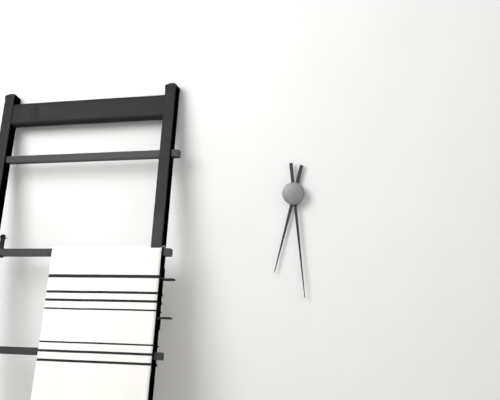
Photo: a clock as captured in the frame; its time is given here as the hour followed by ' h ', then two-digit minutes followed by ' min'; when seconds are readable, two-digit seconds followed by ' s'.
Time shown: 6 h 29 min
